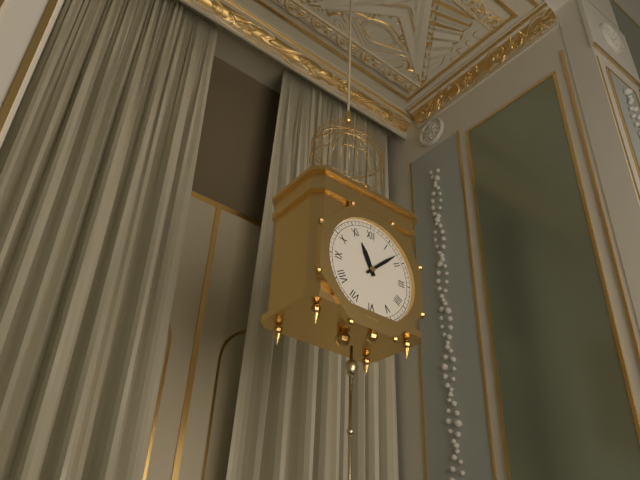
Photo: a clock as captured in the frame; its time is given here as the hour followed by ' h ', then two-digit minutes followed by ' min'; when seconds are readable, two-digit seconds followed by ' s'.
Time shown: 11 h 08 min
